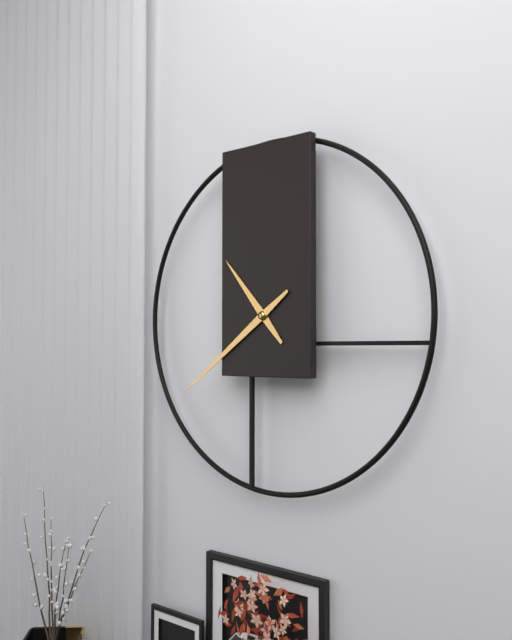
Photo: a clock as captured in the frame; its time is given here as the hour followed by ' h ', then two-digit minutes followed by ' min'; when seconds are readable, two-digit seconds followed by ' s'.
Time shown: 10 h 39 min
